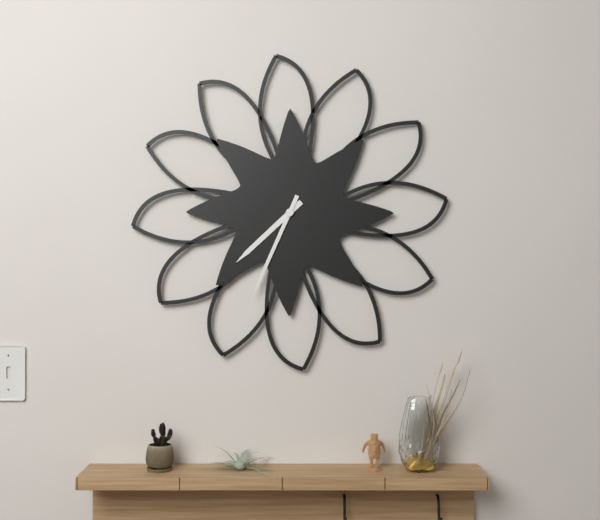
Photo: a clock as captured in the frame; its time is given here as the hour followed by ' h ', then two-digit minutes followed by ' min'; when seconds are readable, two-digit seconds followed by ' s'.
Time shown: 7 h 34 min
